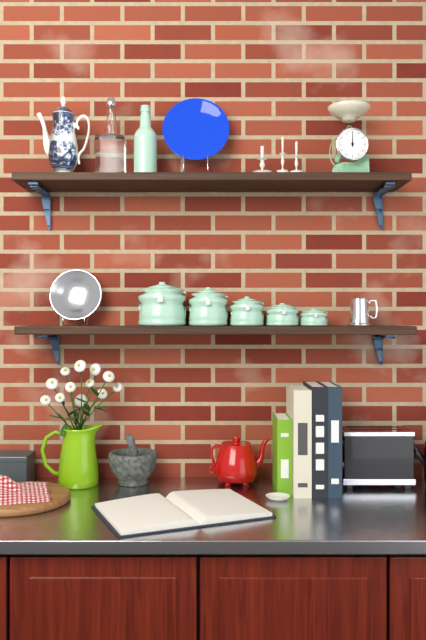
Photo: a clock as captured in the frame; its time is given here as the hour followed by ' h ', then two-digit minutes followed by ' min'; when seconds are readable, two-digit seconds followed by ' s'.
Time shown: 12 h 00 min
